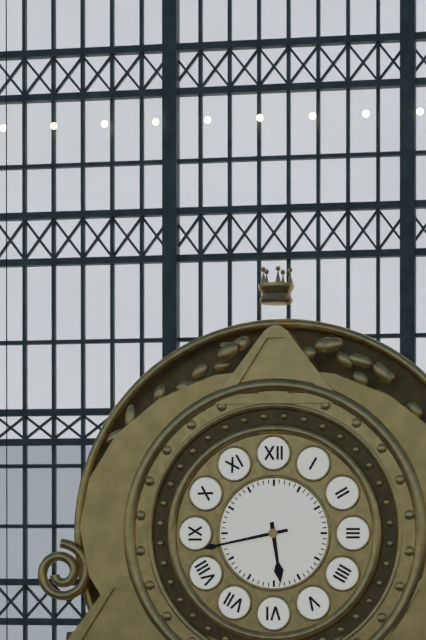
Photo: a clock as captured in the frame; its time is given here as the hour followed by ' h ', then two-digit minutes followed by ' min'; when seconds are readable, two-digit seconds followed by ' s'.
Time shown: 5 h 43 min
